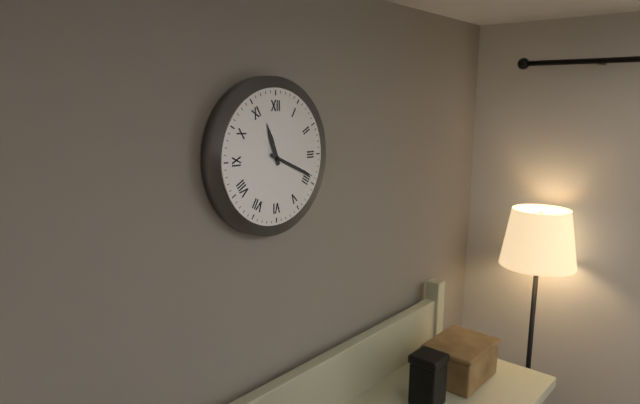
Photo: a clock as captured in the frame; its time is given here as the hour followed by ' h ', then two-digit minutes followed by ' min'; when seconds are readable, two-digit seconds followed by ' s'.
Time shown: 11 h 19 min
